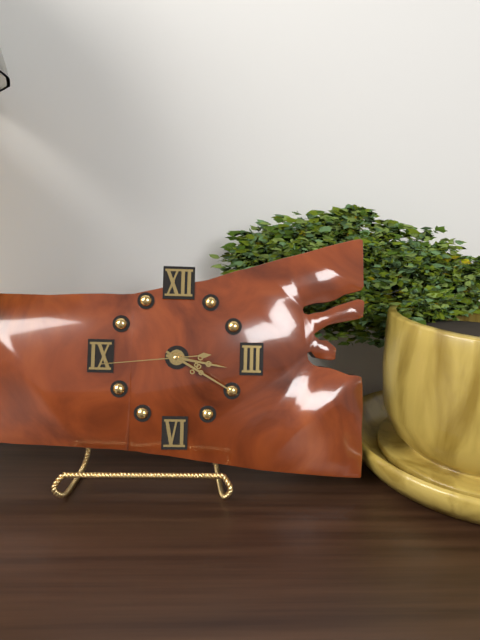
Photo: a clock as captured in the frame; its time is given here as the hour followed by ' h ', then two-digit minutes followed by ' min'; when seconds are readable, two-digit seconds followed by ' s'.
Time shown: 3 h 20 min 44 s
